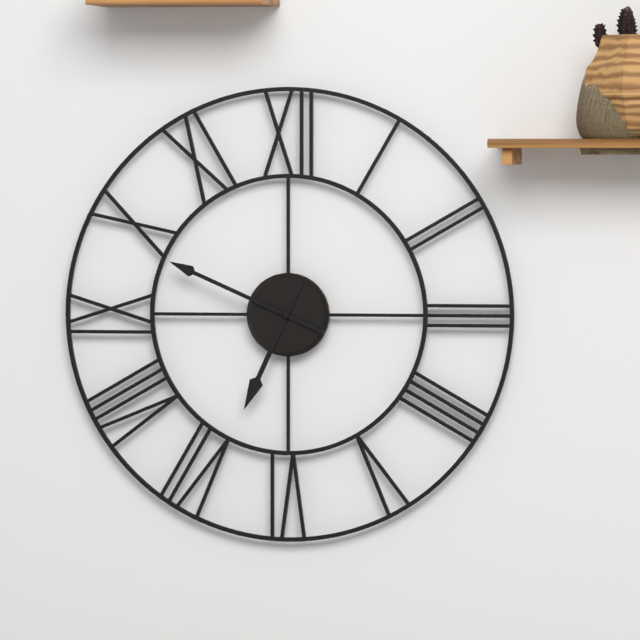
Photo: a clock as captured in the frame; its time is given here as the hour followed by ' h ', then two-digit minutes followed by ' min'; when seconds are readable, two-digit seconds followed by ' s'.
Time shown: 6 h 49 min
